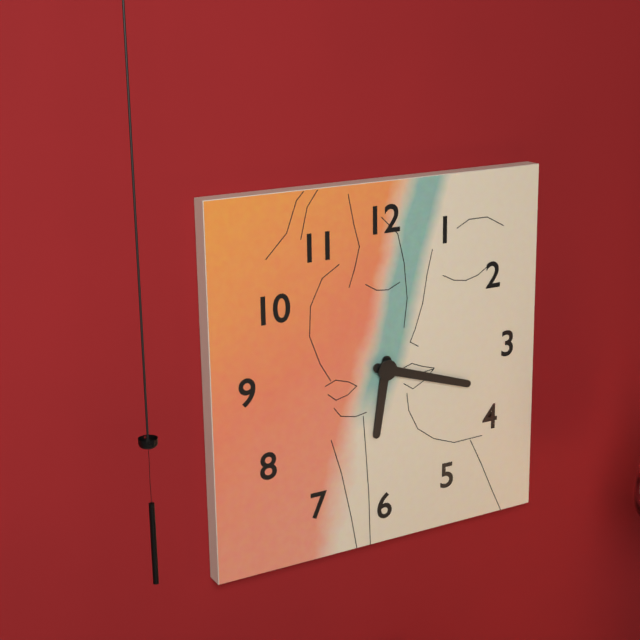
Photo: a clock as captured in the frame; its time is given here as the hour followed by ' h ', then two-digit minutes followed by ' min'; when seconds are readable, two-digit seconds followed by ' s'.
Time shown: 6 h 18 min
